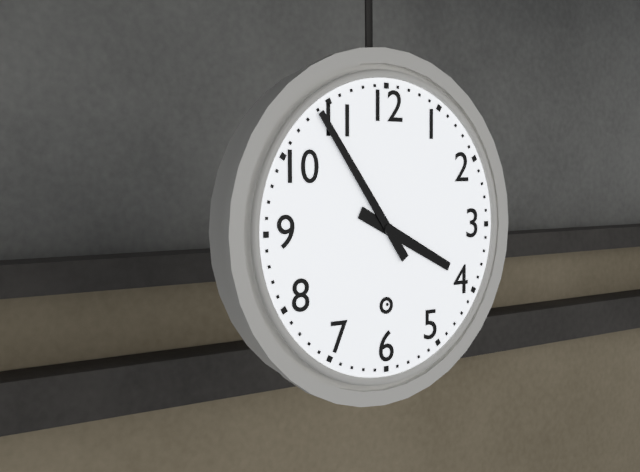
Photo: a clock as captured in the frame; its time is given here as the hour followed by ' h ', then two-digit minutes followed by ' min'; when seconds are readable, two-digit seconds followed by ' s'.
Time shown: 3 h 54 min
